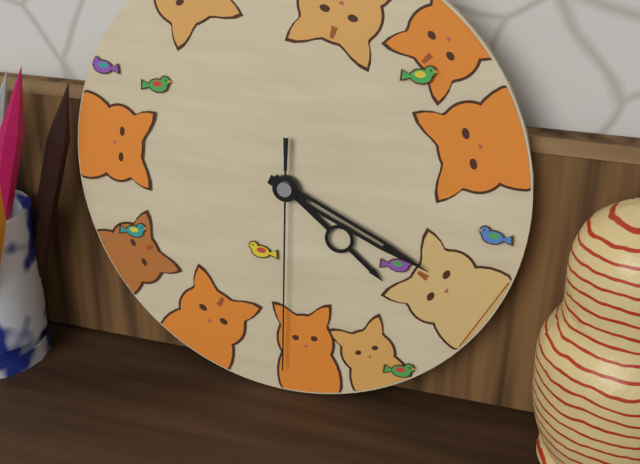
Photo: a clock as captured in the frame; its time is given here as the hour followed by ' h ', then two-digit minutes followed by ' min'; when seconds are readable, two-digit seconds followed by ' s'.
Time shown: 4 h 19 min 30 s
